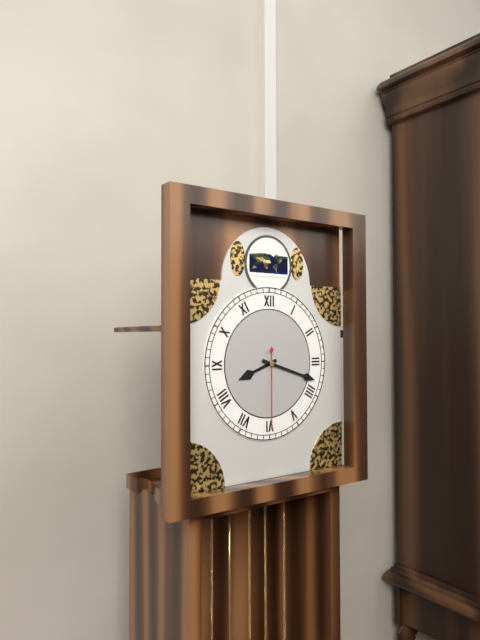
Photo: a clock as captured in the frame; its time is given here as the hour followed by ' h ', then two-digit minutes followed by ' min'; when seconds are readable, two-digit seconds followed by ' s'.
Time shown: 8 h 18 min 30 s
